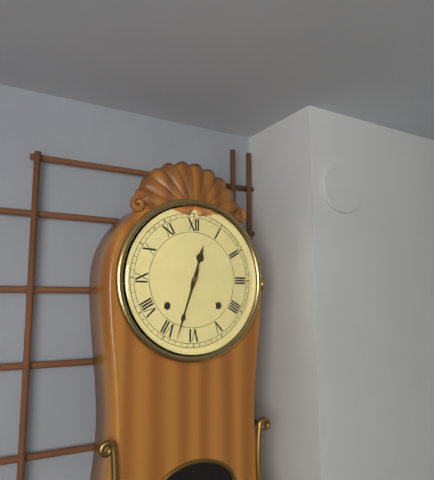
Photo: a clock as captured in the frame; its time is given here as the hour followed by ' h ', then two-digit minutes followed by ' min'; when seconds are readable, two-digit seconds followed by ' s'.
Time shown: 12 h 33 min
